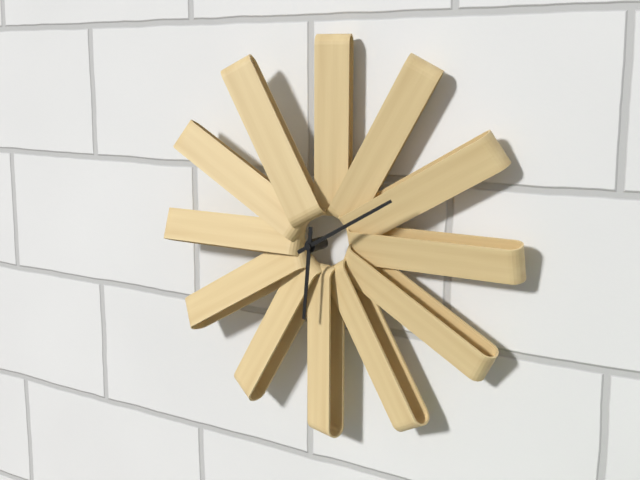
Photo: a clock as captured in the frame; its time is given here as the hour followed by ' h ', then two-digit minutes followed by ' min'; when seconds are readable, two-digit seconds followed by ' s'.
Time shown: 6 h 10 min
